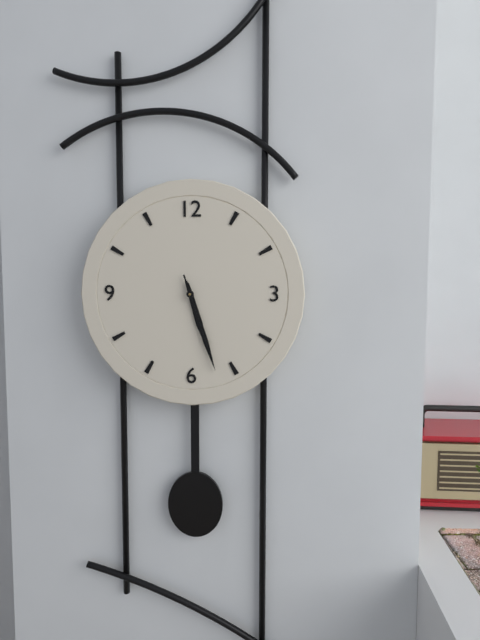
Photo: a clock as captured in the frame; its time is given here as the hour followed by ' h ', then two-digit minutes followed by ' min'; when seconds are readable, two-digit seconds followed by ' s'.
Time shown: 5 h 27 min 27 s
